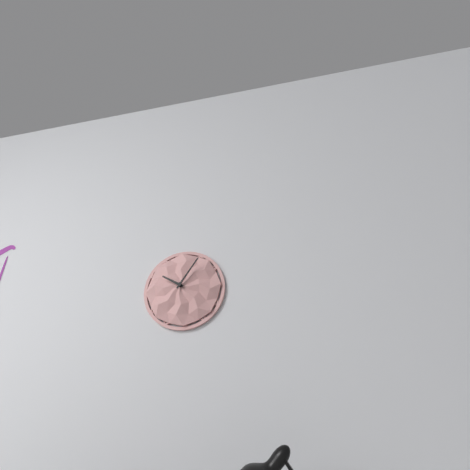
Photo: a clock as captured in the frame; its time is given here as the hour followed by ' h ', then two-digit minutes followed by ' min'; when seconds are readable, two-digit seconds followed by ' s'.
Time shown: 10 h 06 min
